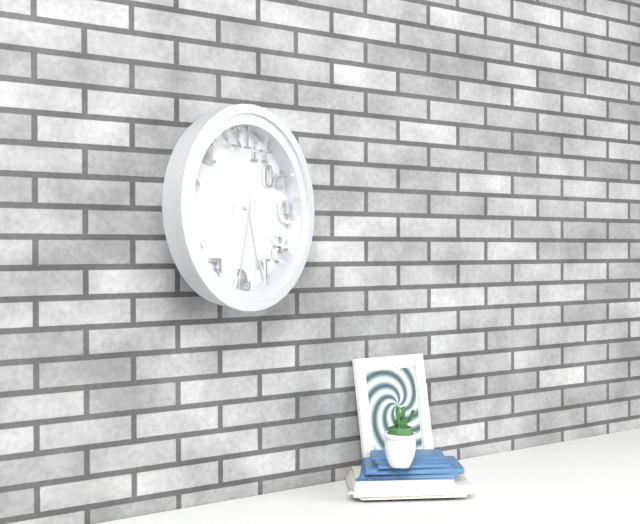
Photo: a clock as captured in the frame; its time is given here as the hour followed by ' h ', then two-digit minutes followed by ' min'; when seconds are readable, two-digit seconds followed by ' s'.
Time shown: 5 h 32 min
